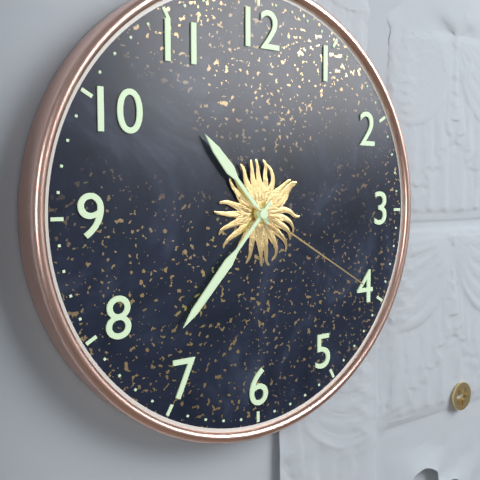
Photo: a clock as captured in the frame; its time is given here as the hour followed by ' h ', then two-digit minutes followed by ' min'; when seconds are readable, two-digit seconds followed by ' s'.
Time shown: 10 h 37 min 20 s
